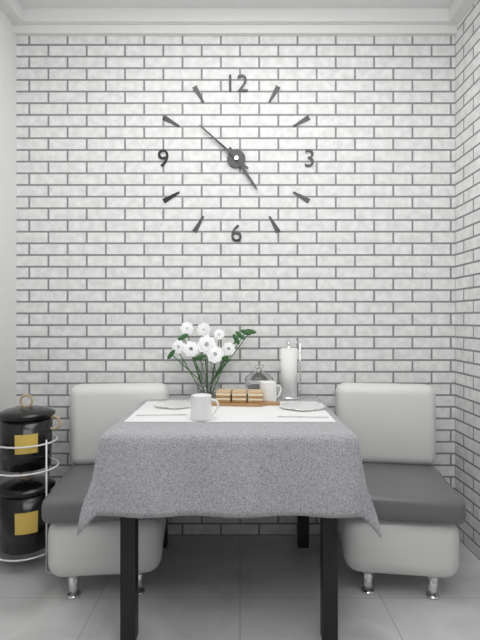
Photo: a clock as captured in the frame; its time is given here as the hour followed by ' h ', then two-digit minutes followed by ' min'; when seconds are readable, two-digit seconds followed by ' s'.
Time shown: 4 h 52 min
